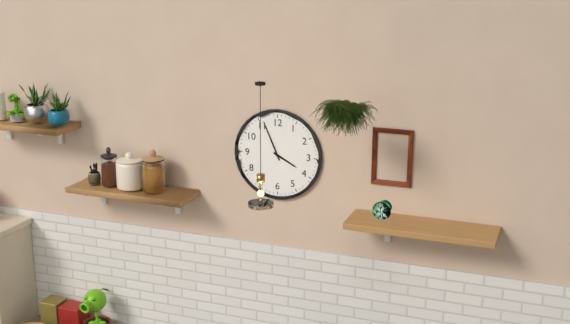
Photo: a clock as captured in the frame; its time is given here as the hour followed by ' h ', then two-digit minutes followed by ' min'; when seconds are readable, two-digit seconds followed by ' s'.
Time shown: 3 h 56 min
